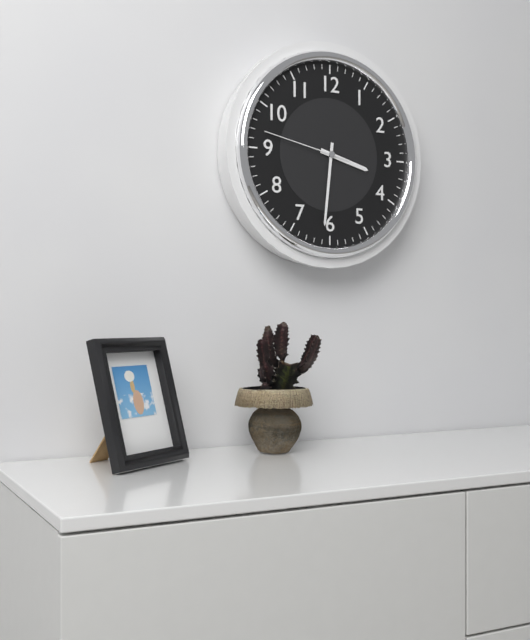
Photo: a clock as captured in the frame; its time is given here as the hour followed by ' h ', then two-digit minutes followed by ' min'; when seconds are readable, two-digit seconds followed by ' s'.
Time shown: 3 h 31 min 47 s
